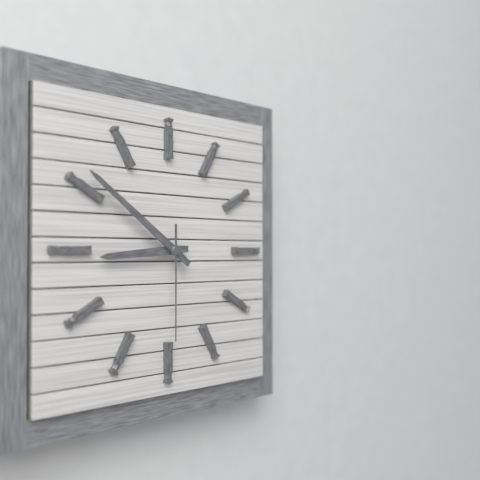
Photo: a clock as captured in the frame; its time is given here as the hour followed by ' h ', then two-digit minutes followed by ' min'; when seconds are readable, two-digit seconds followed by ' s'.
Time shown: 8 h 51 min 30 s
